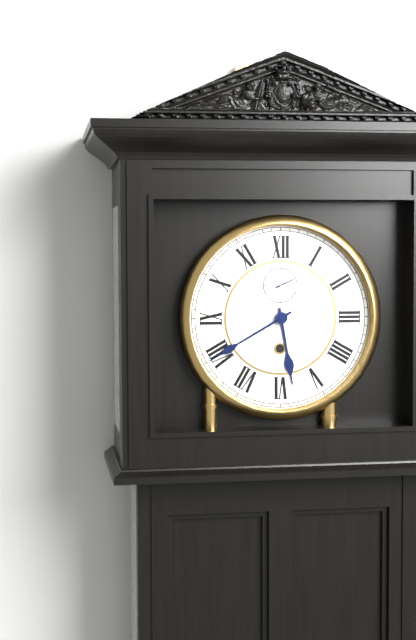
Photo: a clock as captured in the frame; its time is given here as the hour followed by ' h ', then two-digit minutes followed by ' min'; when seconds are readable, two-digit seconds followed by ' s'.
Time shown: 5 h 40 min
